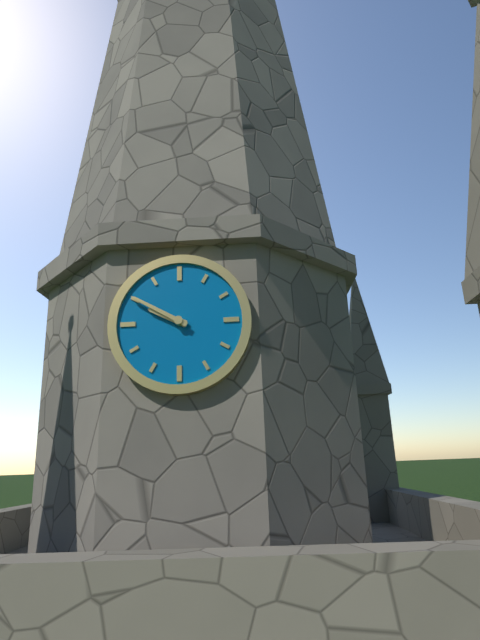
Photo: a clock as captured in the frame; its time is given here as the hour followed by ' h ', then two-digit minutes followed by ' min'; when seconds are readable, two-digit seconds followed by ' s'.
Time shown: 9 h 50 min
